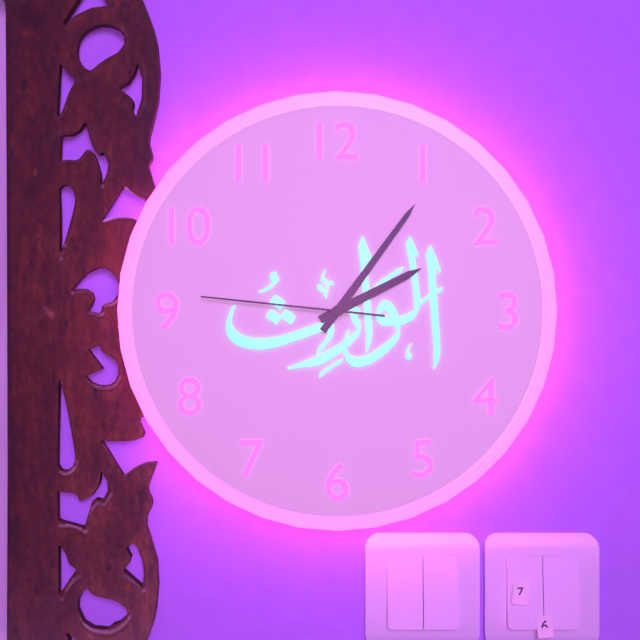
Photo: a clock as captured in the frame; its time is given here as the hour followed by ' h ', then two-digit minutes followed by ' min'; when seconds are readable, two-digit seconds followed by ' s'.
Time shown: 2 h 06 min 46 s
